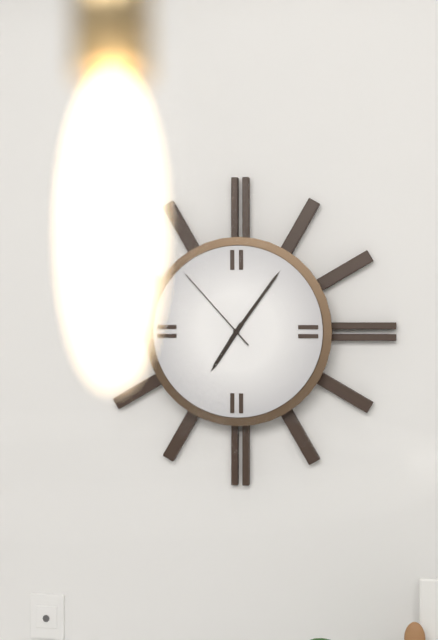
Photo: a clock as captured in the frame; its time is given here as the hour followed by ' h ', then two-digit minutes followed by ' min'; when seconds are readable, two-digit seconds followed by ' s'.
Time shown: 7 h 06 min 53 s
